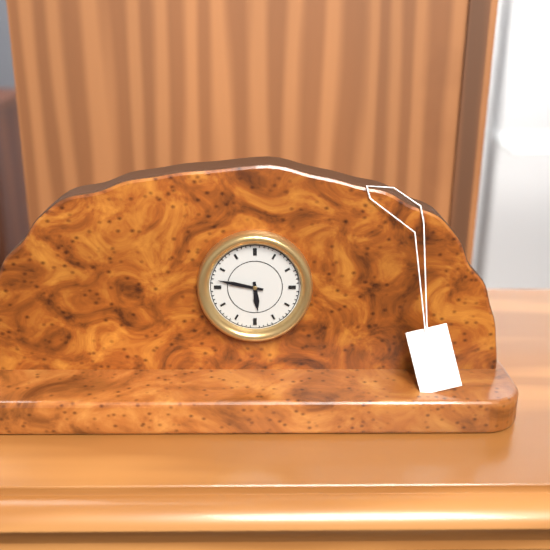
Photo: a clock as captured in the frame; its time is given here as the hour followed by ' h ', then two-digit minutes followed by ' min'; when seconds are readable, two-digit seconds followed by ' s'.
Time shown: 5 h 47 min
